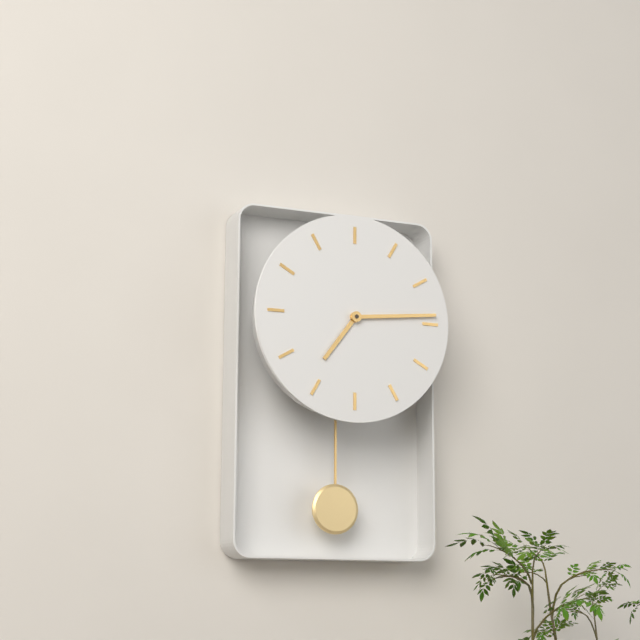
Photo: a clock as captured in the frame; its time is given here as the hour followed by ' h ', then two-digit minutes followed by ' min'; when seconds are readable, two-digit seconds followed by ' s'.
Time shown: 7 h 14 min
